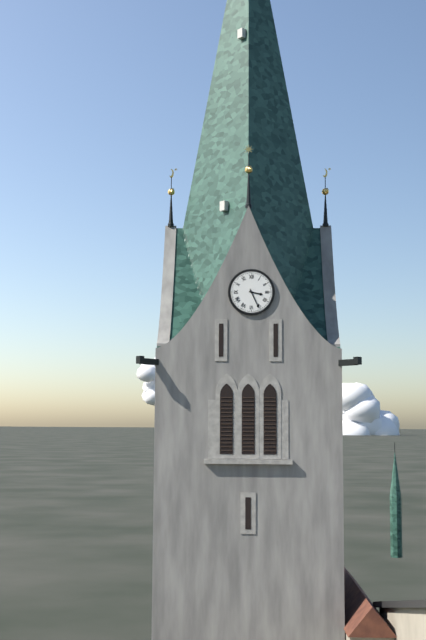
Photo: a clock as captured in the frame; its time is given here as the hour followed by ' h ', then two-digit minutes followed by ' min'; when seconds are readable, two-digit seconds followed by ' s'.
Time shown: 3 h 26 min
